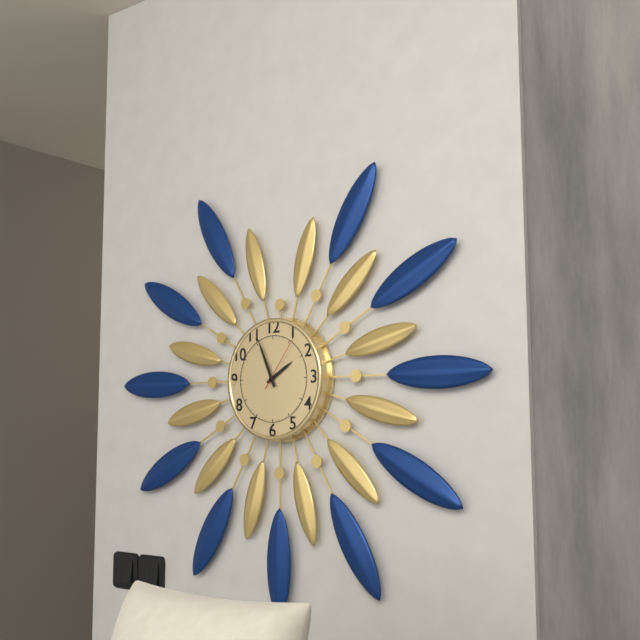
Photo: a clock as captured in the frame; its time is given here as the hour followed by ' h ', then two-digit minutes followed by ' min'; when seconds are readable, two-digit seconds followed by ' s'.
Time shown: 1 h 56 min 06 s
